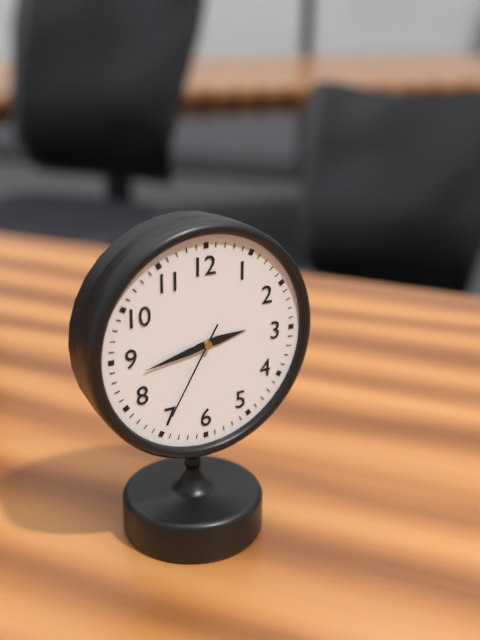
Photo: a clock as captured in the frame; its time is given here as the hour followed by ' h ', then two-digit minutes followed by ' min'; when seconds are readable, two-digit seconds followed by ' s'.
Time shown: 2 h 43 min 35 s
